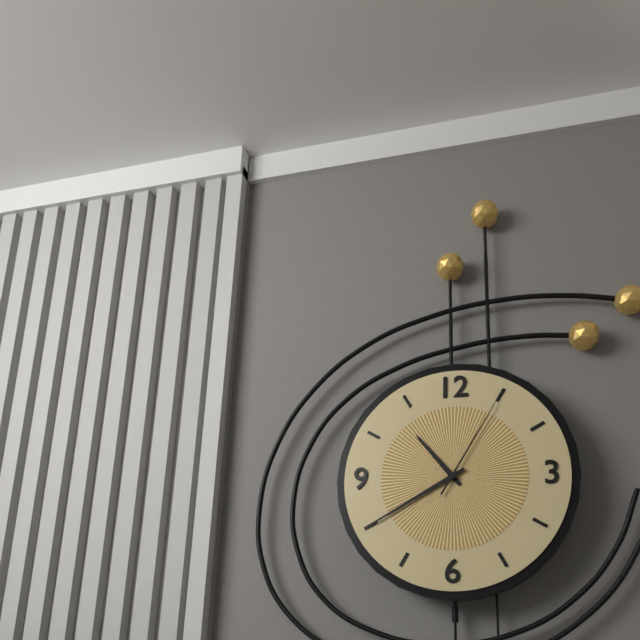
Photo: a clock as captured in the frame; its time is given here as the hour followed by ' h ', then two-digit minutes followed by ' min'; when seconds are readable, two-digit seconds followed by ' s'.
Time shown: 10 h 40 min 05 s
